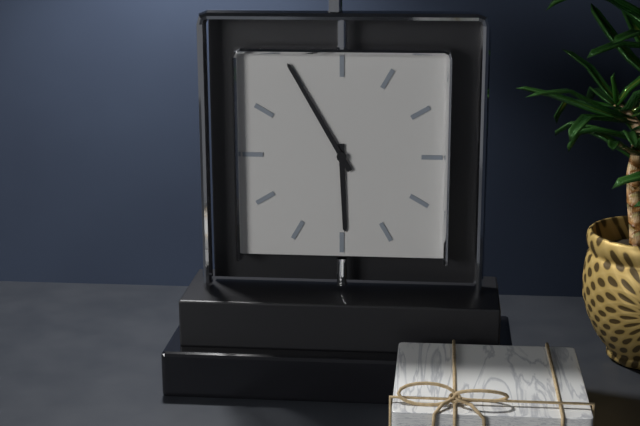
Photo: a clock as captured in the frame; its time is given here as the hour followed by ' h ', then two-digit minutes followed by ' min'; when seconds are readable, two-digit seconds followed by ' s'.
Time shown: 5 h 55 min
